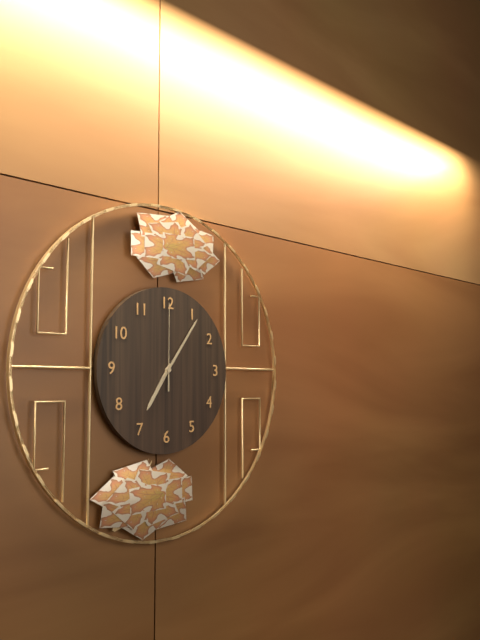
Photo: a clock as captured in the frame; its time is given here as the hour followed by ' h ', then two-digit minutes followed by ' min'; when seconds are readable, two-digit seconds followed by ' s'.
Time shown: 7 h 06 min 00 s
